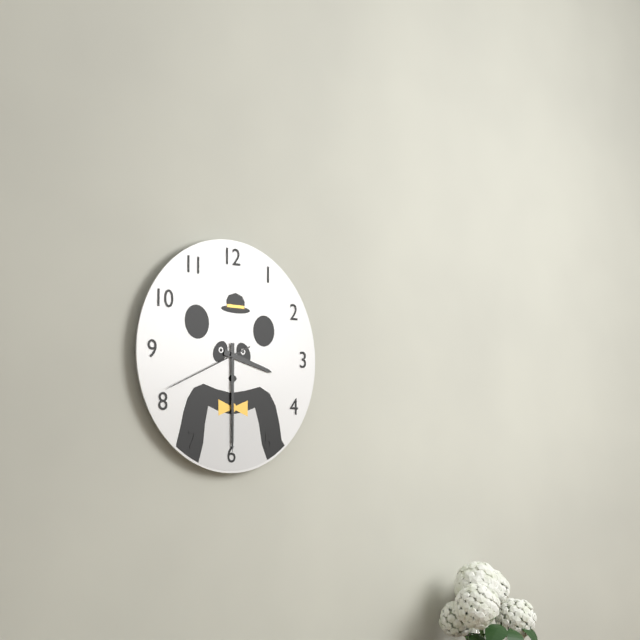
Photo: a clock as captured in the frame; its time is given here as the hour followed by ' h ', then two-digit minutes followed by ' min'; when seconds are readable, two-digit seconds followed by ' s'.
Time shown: 3 h 30 min 41 s
